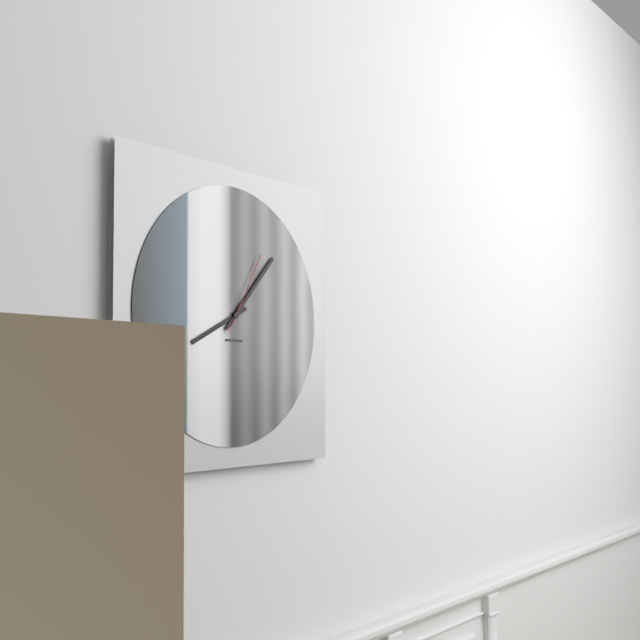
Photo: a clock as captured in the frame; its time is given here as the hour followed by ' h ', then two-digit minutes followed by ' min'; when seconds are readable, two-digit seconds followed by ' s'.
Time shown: 8 h 07 min 05 s
